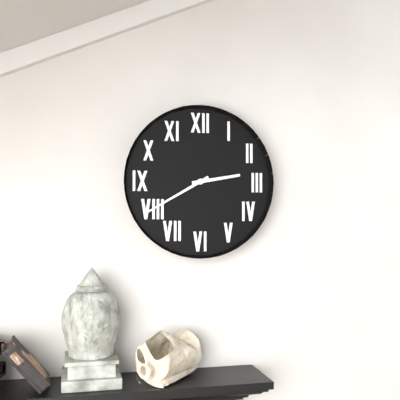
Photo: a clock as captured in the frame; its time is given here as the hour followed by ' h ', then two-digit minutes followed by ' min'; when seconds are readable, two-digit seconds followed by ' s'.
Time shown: 2 h 40 min
